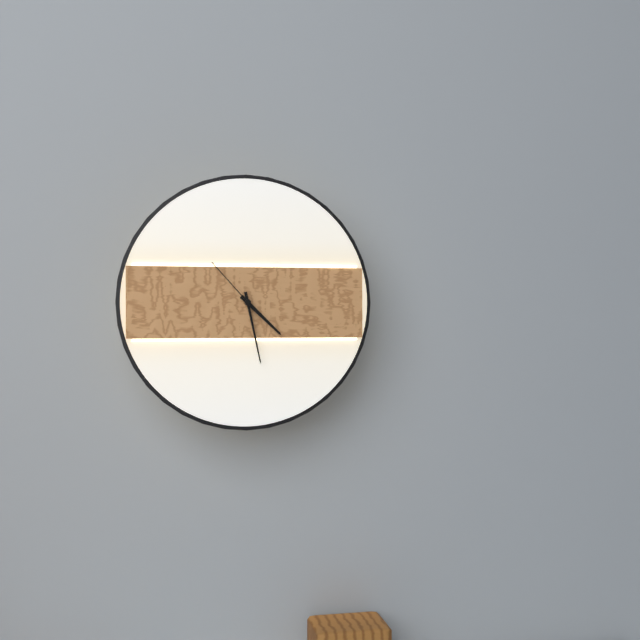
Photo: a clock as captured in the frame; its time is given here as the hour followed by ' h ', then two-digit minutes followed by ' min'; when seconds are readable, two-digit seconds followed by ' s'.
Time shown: 4 h 28 min 53 s
